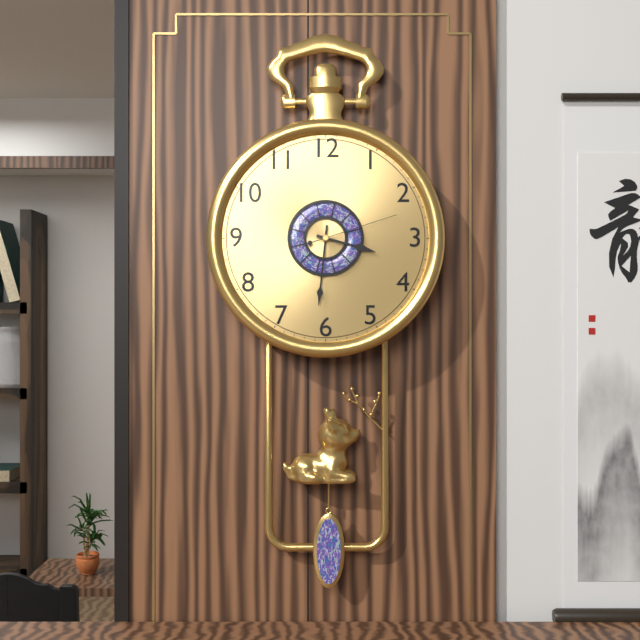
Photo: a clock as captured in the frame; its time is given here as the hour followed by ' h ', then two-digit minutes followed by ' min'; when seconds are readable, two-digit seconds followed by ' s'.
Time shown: 3 h 31 min 12 s
